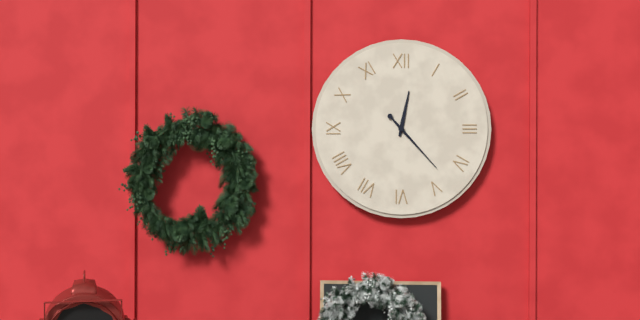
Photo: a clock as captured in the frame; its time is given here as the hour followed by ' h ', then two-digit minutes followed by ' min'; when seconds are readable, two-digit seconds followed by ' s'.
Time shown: 12 h 23 min
